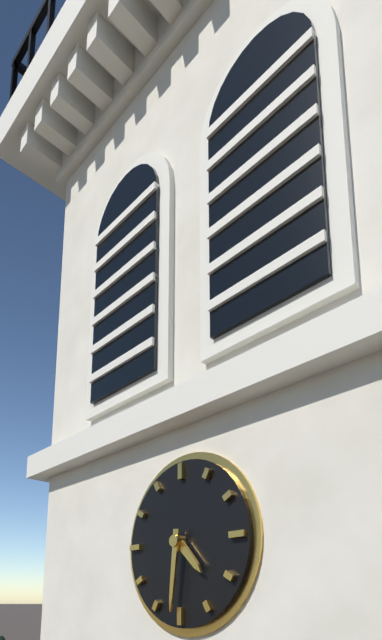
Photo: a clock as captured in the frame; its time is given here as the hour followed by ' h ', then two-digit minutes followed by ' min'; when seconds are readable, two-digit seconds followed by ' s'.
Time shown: 4 h 31 min
